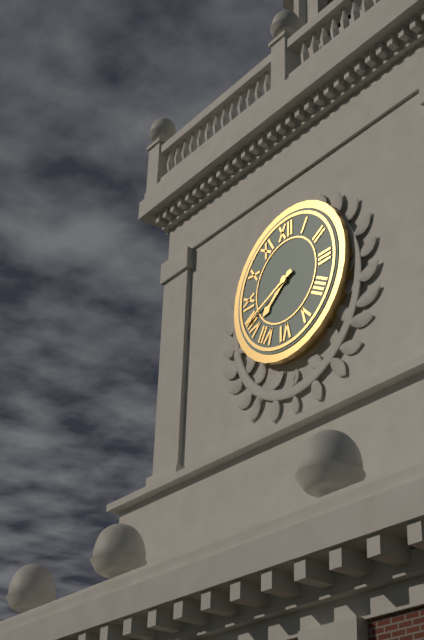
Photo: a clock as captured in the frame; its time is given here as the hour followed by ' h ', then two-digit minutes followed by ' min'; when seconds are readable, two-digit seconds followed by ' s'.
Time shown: 7 h 41 min
